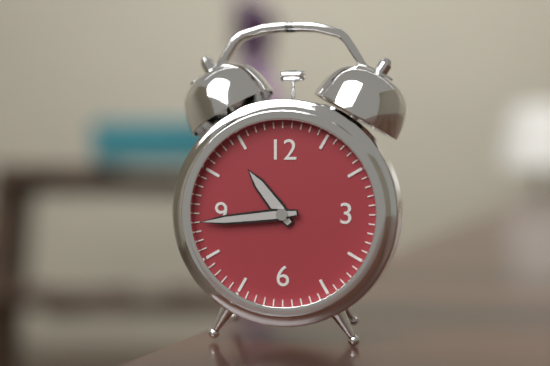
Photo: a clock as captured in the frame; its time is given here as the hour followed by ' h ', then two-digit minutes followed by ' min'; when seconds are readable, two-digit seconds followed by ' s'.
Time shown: 10 h 44 min
